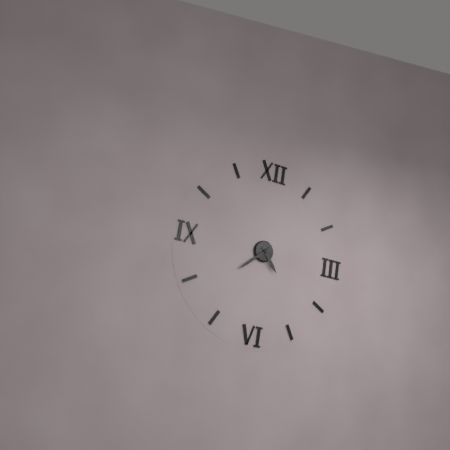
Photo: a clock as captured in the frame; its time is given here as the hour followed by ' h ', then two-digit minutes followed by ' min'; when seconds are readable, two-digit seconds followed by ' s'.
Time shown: 4 h 38 min
